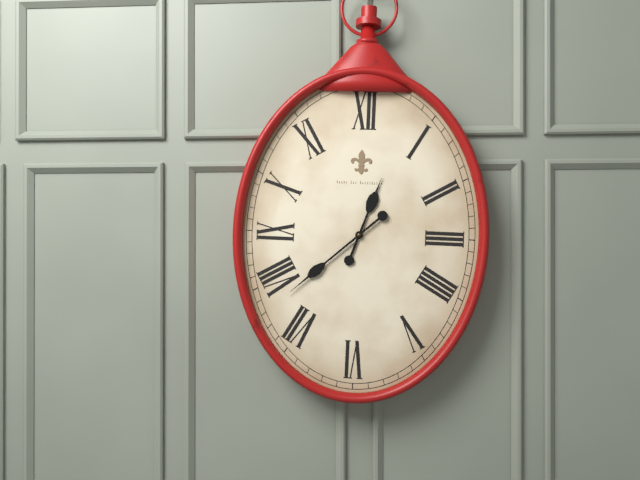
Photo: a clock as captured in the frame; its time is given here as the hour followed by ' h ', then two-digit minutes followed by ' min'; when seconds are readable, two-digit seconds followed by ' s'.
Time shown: 12 h 38 min
